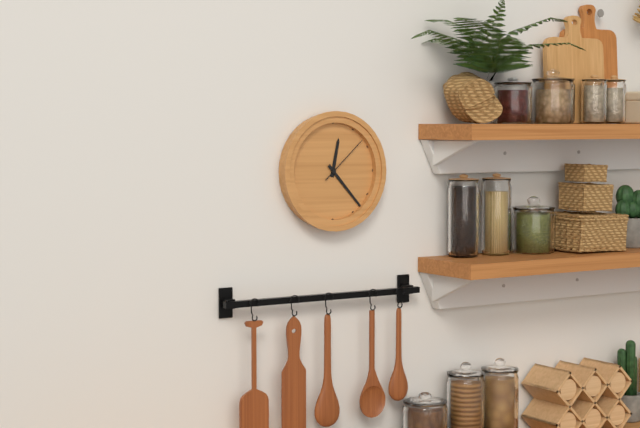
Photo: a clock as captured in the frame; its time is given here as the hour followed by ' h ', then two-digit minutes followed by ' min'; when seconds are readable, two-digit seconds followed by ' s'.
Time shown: 12 h 23 min 08 s
